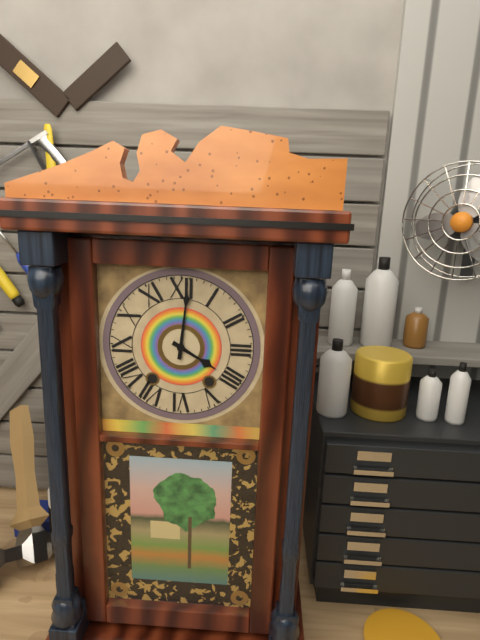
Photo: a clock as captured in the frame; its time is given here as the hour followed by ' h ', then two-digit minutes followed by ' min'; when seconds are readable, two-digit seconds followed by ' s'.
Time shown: 4 h 01 min
